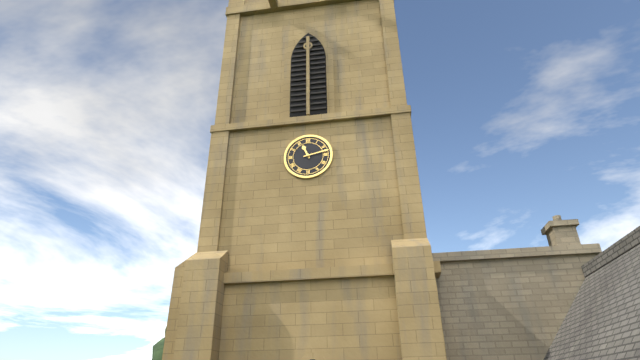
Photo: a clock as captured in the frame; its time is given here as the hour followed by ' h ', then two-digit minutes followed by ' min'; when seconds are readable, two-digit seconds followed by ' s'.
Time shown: 11 h 13 min
